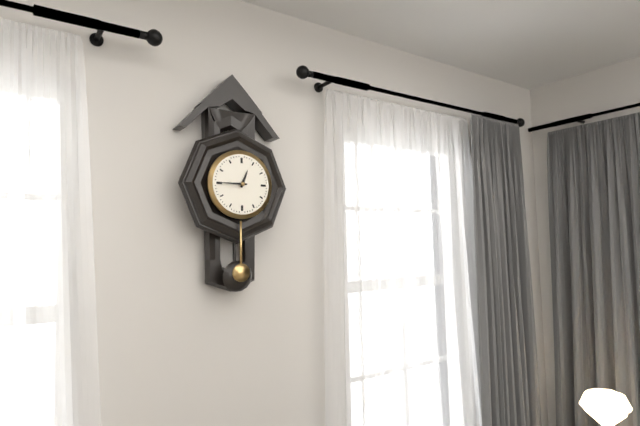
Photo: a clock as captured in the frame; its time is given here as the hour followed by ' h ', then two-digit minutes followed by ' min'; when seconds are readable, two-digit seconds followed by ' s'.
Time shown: 12 h 45 min
